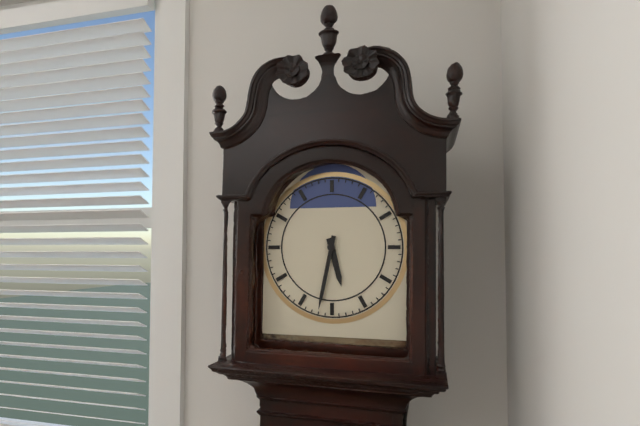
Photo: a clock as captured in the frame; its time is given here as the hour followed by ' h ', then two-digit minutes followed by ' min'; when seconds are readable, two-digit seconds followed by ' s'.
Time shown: 5 h 32 min
